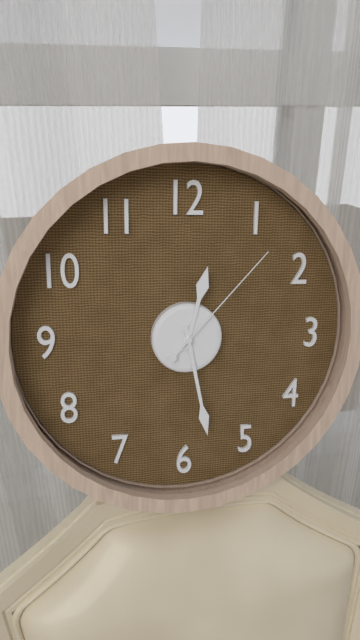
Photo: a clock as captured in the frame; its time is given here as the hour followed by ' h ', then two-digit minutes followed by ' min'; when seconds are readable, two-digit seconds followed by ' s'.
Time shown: 12 h 28 min 07 s
